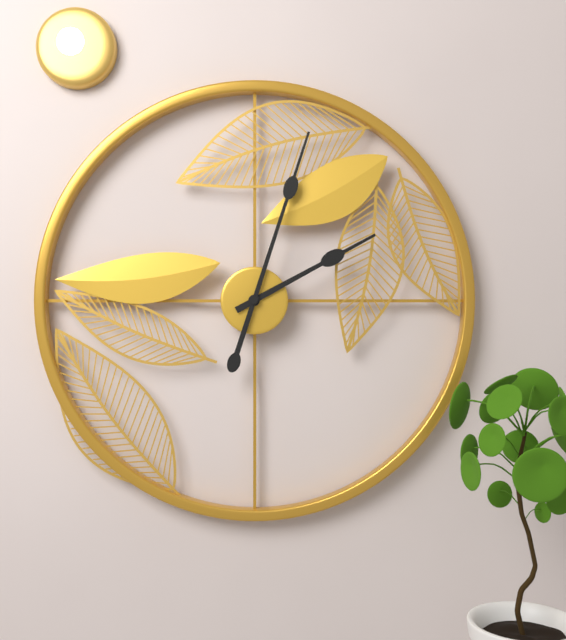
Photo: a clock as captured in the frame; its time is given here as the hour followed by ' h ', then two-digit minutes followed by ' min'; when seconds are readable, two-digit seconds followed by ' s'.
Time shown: 2 h 03 min
